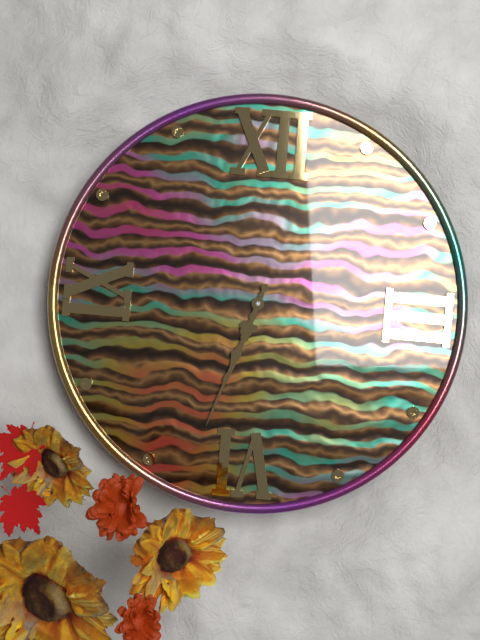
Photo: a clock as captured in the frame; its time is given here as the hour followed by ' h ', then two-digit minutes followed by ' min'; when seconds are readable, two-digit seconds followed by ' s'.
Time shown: 6 h 33 min
